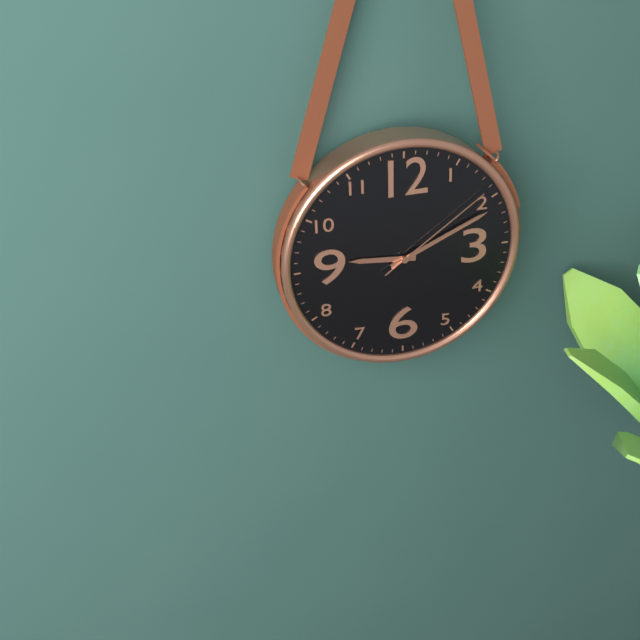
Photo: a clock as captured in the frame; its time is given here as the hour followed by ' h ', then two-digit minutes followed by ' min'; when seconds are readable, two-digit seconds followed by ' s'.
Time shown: 9 h 11 min 09 s
